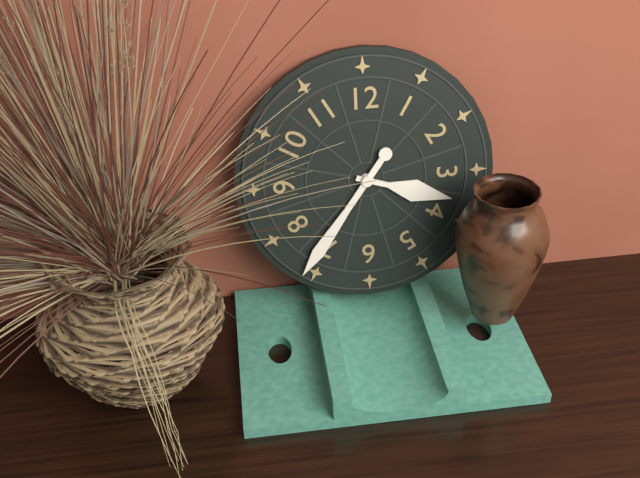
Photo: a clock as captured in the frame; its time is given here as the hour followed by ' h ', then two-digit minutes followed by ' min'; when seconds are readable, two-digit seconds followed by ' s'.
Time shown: 3 h 36 min
